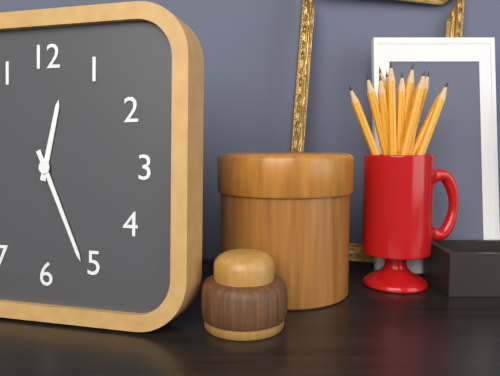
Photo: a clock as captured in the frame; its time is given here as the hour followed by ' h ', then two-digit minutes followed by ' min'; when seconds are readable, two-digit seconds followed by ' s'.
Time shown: 12 h 26 min
